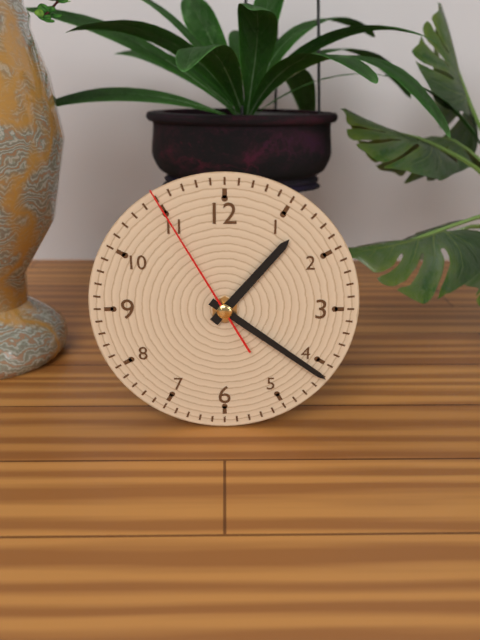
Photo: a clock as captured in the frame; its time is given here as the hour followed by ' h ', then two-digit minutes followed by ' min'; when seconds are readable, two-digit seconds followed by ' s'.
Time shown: 1 h 21 min 55 s
